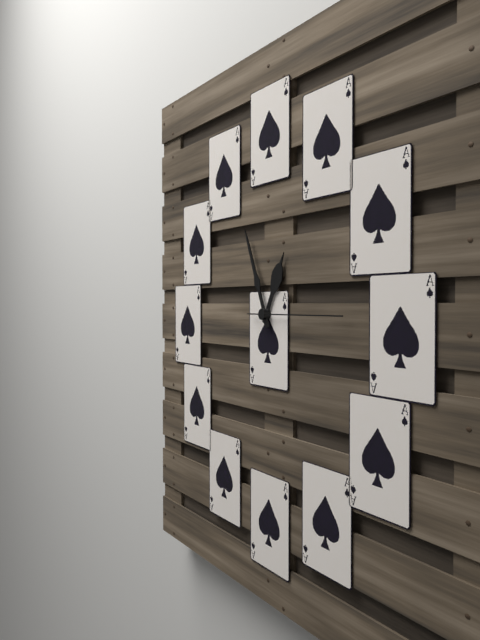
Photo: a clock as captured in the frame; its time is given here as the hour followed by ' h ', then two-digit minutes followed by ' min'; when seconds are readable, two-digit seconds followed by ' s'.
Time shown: 12 h 56 min 15 s
